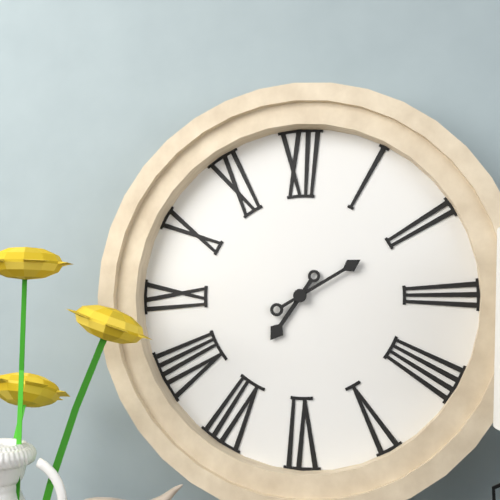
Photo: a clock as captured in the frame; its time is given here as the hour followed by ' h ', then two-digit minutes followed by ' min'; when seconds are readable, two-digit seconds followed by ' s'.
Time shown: 7 h 10 min
